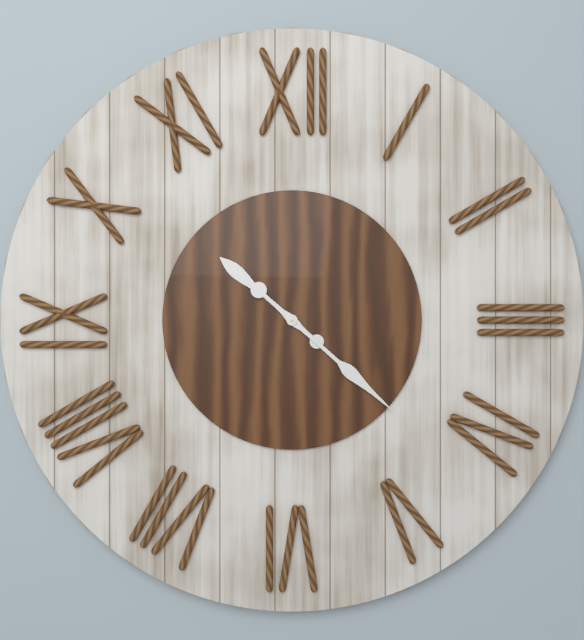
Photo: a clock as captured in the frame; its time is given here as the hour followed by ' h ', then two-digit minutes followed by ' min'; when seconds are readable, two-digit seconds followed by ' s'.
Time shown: 10 h 22 min
